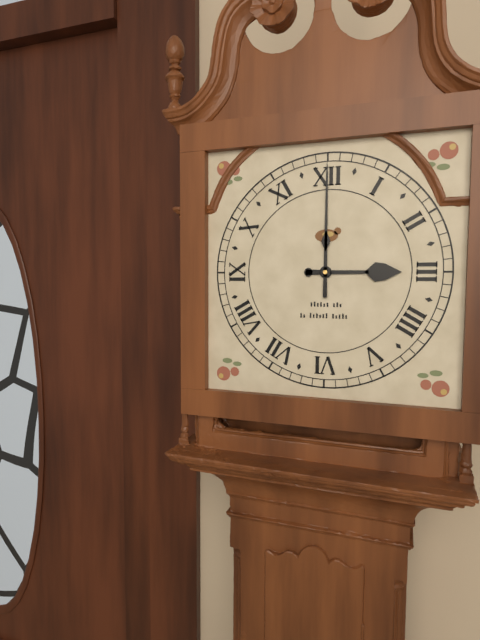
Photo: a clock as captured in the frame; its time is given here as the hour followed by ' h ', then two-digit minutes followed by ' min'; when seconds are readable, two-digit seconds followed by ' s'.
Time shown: 3 h 00 min
